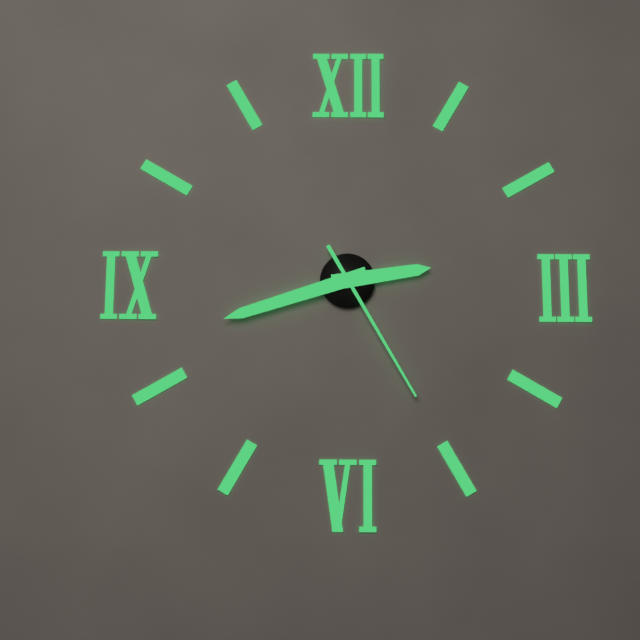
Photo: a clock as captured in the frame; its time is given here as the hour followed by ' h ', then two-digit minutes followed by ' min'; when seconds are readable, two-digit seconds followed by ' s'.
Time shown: 2 h 42 min 25 s
